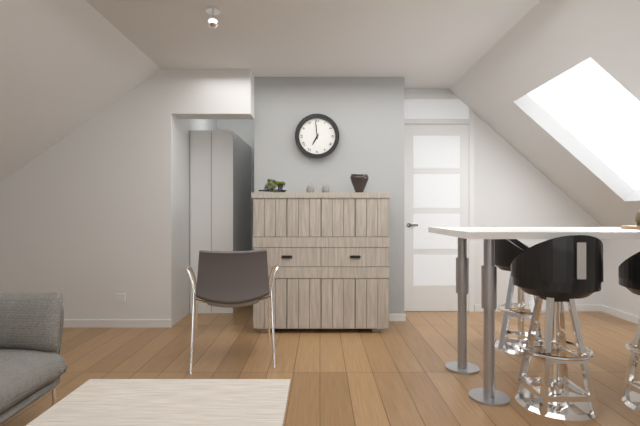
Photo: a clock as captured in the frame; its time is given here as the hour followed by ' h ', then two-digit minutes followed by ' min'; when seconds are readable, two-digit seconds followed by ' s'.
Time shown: 6 h 59 min
